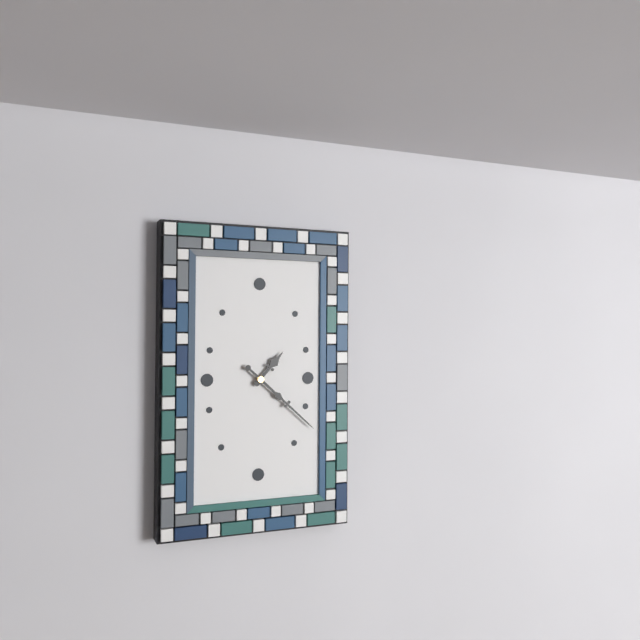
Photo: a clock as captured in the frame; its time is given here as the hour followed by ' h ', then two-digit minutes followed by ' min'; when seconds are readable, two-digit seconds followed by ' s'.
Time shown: 1 h 22 min
